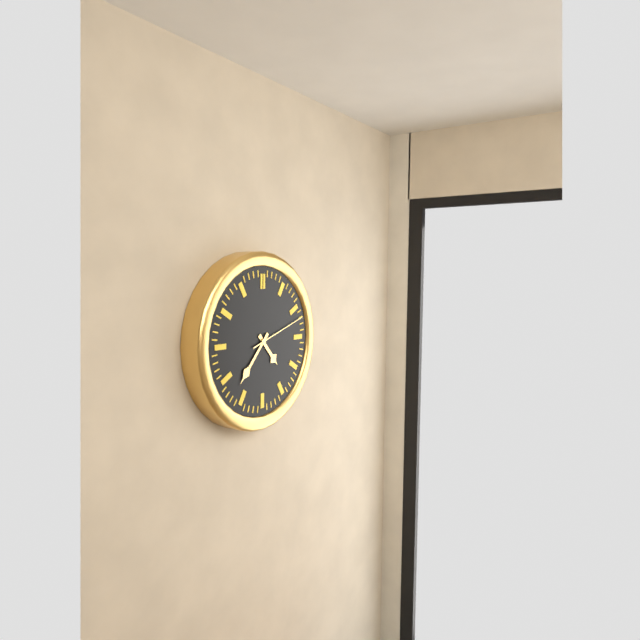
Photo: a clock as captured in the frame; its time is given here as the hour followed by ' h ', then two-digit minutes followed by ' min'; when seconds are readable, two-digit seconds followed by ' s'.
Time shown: 4 h 37 min 12 s
